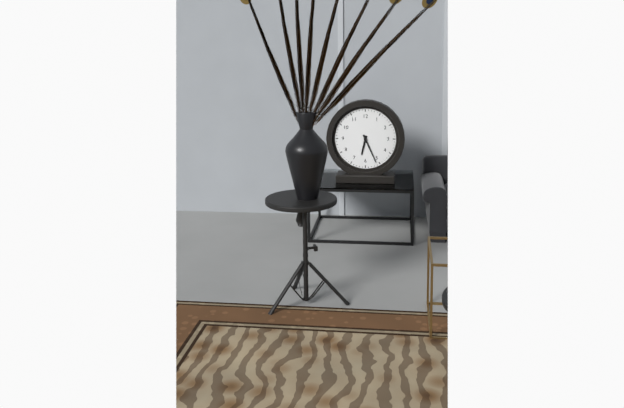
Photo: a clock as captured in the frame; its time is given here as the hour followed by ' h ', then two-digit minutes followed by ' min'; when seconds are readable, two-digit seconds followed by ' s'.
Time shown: 6 h 26 min
